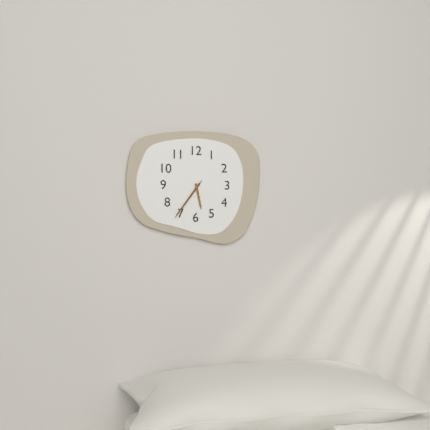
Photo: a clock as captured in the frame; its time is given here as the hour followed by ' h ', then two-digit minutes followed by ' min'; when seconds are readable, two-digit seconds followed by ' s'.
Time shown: 5 h 36 min
